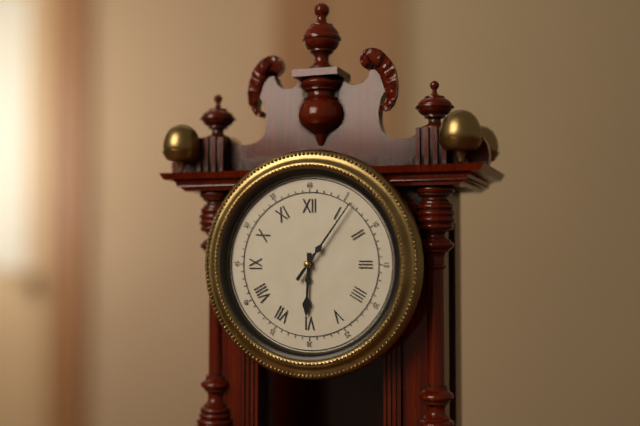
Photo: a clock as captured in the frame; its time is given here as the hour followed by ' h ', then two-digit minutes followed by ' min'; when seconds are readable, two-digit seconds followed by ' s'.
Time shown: 6 h 06 min
